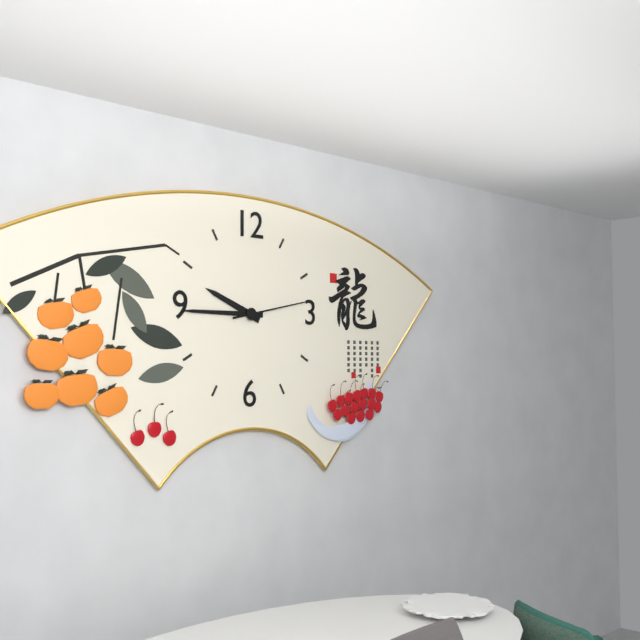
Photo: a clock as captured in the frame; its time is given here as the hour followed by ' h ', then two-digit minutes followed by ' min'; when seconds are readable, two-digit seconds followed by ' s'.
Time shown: 9 h 45 min 13 s
